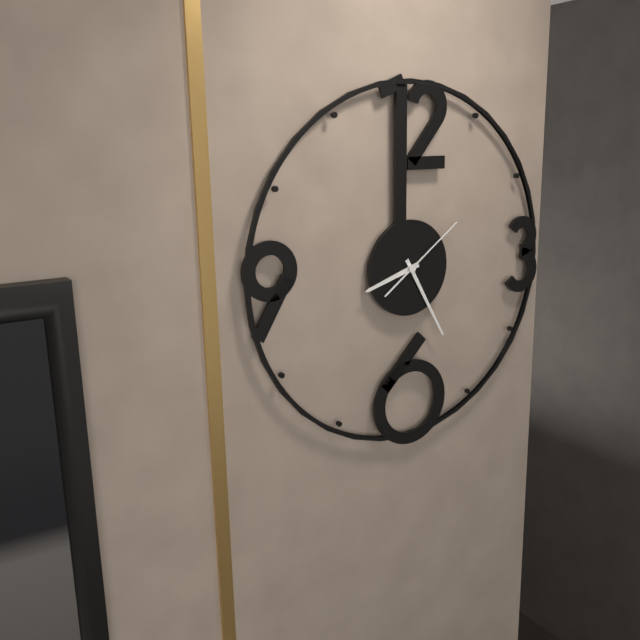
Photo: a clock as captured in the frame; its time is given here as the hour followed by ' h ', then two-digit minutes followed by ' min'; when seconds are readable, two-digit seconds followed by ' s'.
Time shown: 8 h 25 min 09 s
